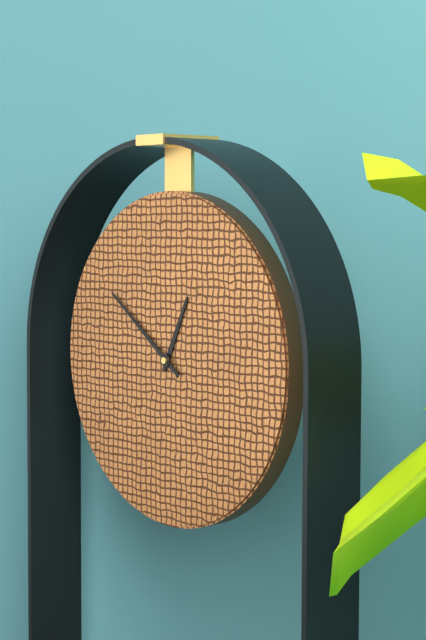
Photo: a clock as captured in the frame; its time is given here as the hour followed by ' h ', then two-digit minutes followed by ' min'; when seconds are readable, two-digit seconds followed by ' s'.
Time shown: 12 h 51 min
